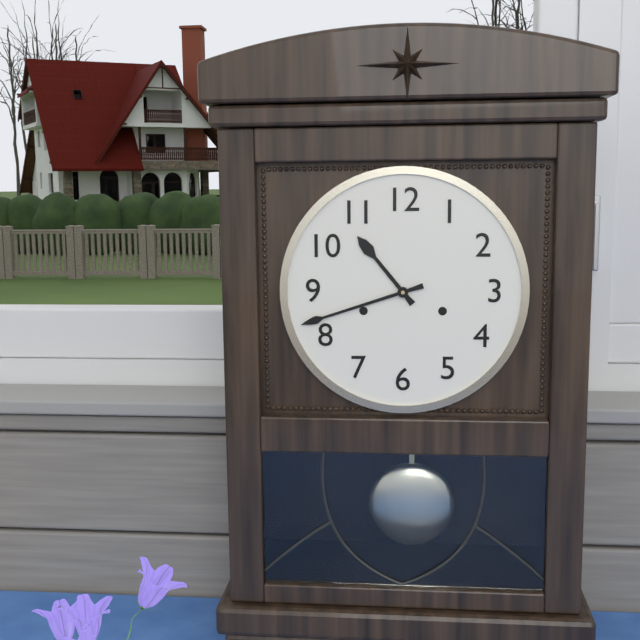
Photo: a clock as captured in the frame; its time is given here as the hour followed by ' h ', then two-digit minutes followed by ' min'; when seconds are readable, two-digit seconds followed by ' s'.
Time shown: 10 h 42 min
